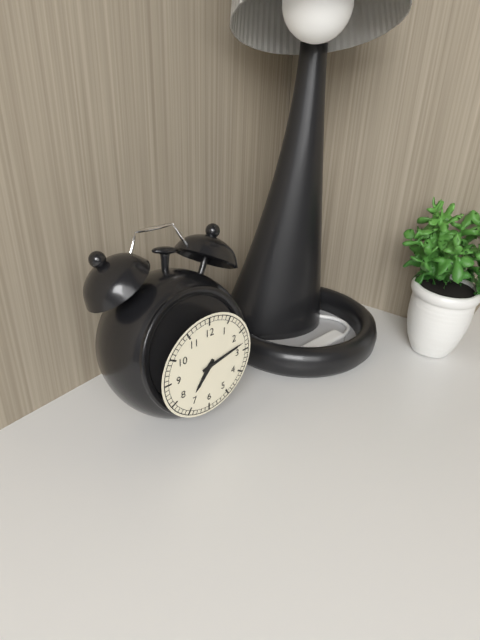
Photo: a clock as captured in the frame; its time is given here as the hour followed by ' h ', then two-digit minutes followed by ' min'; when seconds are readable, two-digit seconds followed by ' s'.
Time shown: 7 h 13 min
